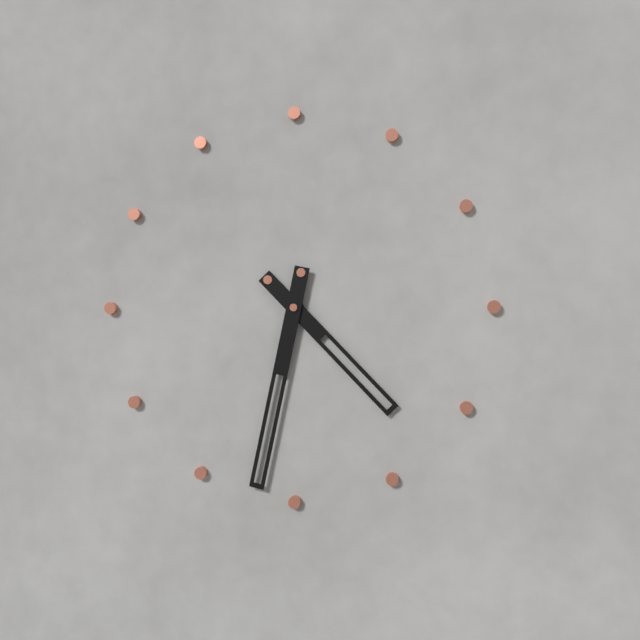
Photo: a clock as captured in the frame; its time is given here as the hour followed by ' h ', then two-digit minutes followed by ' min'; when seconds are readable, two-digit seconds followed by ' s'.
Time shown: 4 h 32 min
